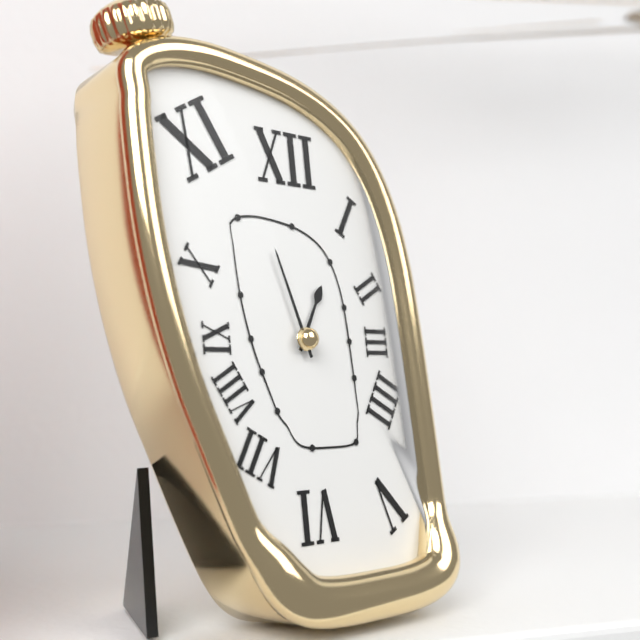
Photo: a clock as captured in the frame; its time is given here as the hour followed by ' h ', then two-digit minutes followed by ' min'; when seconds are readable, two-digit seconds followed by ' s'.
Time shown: 12 h 57 min
